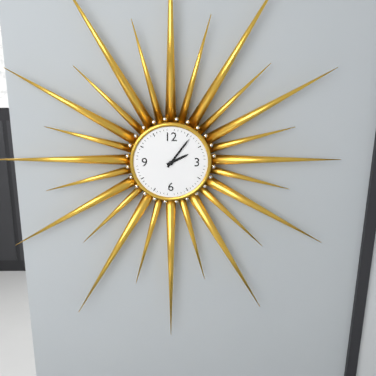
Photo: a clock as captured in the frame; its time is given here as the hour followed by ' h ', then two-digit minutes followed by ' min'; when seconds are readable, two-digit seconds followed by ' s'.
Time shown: 2 h 06 min
